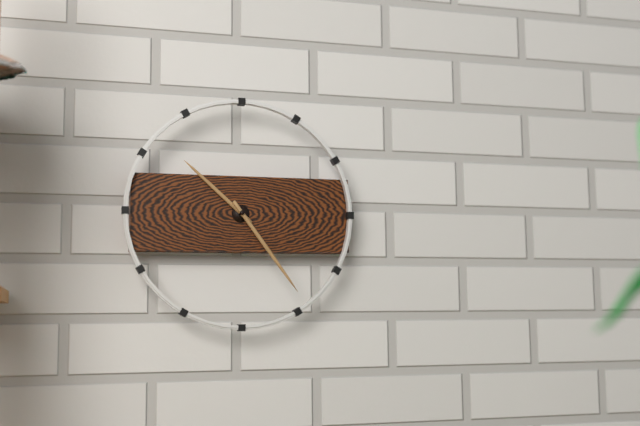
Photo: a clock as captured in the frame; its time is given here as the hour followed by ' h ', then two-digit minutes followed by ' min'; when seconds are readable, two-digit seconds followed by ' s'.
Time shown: 10 h 24 min
